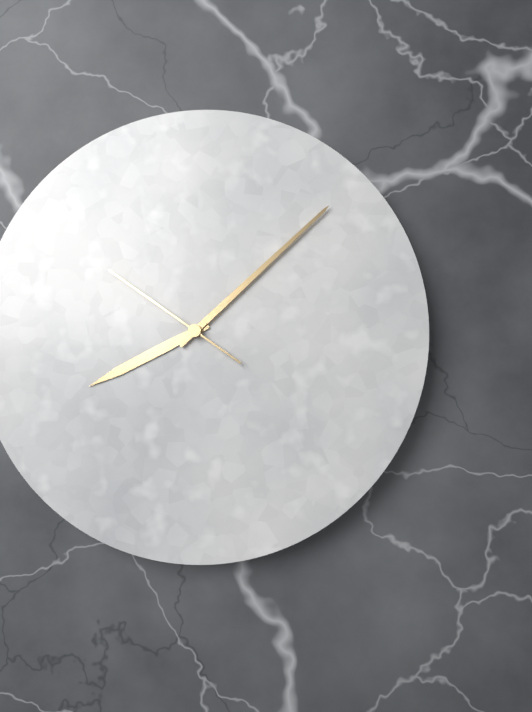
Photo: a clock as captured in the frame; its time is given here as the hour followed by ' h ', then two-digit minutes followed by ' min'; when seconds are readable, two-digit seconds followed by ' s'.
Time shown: 8 h 08 min 51 s
